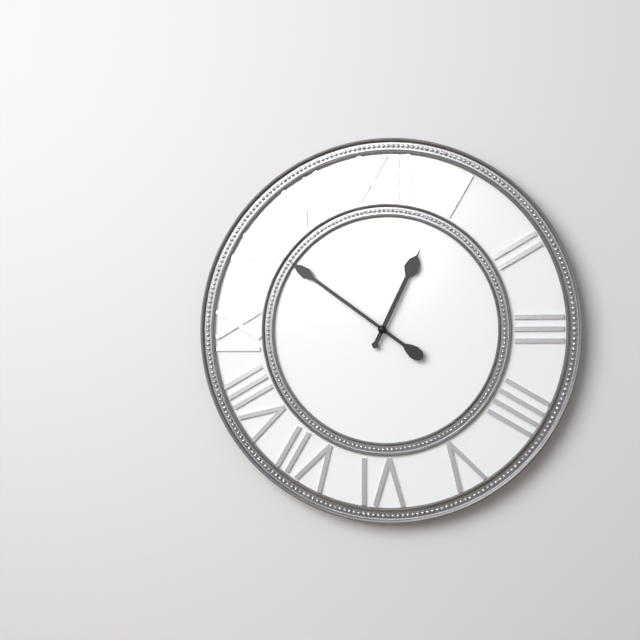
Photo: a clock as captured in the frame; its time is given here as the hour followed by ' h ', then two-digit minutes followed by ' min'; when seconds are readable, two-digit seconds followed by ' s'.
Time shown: 12 h 51 min
